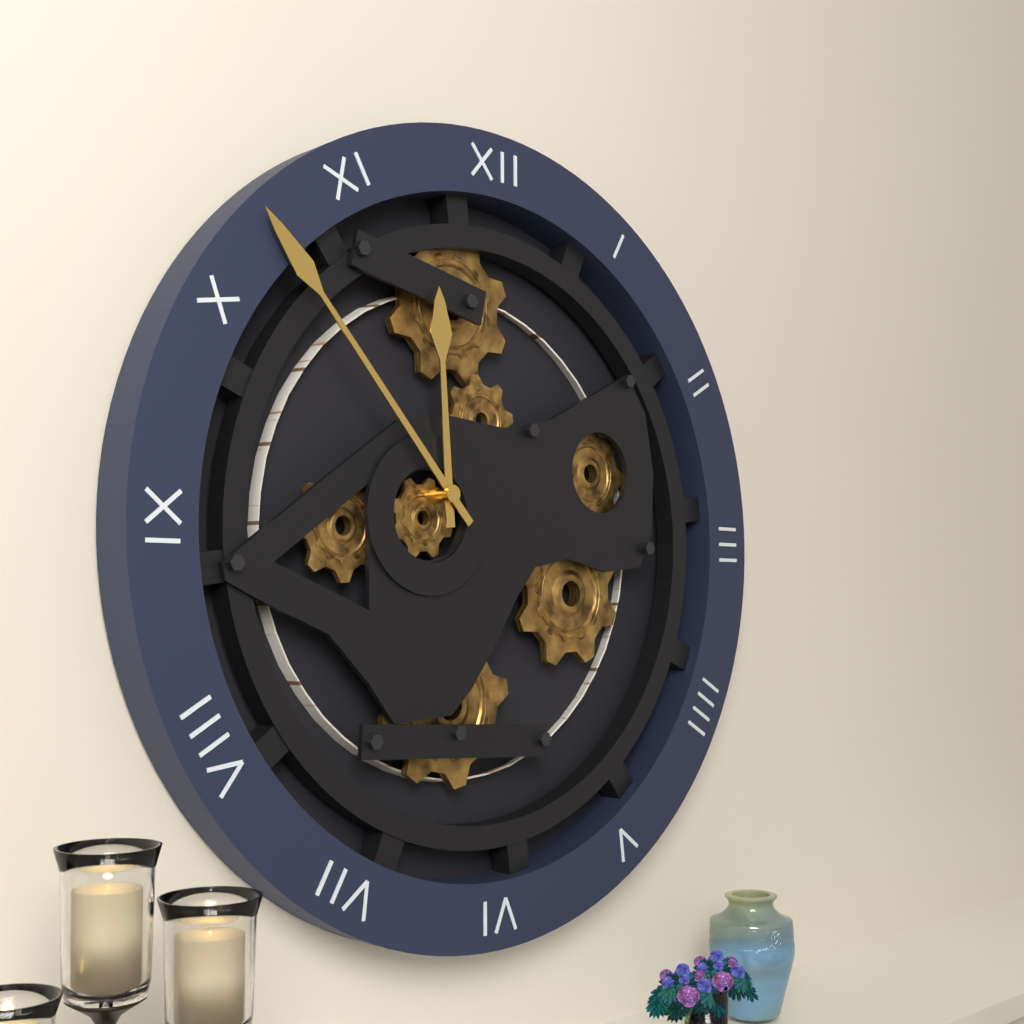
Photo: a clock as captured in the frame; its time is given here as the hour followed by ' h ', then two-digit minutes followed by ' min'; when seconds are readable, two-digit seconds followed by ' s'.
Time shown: 11 h 53 min
